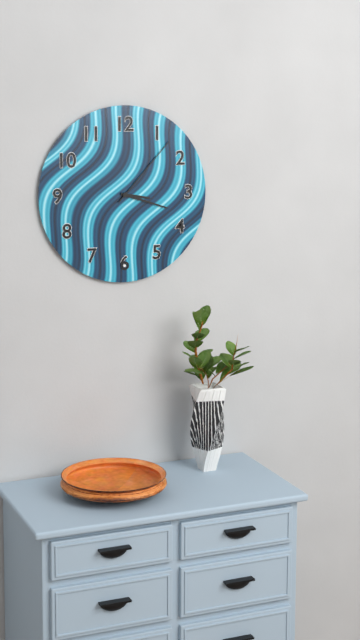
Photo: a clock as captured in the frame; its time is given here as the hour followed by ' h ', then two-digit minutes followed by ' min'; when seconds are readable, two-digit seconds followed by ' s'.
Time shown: 3 h 18 min 07 s
